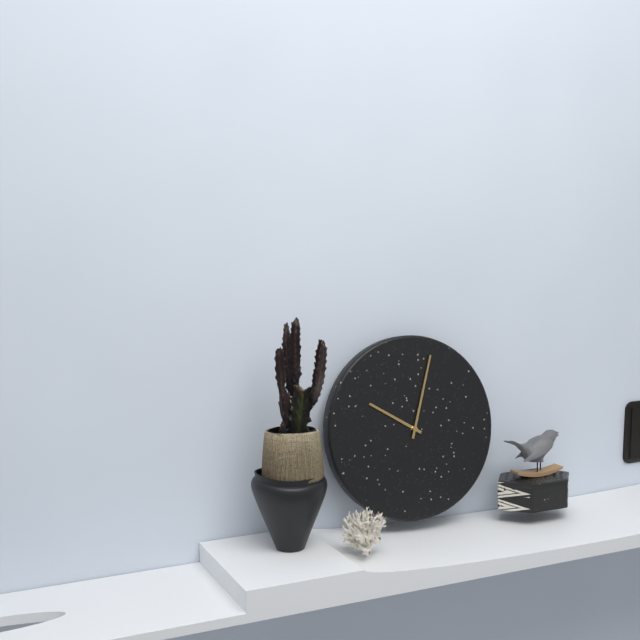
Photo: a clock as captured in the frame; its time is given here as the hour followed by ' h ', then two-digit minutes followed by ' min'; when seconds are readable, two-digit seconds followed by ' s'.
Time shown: 10 h 03 min
